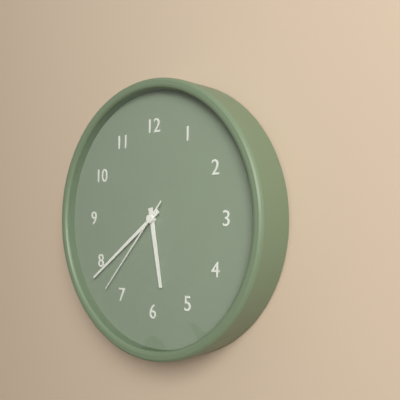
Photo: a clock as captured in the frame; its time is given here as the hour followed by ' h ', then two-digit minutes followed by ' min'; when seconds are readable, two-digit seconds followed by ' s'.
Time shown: 5 h 39 min 37 s
